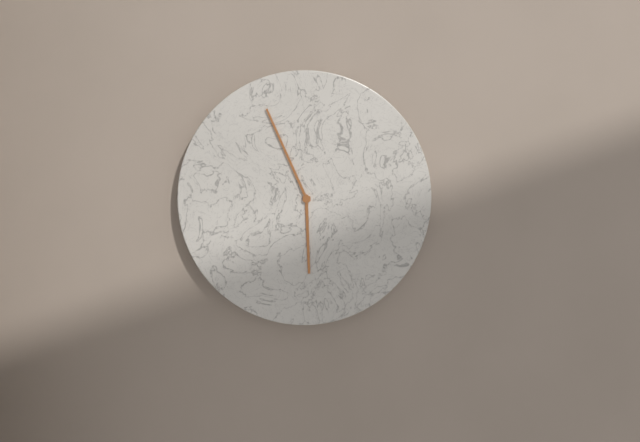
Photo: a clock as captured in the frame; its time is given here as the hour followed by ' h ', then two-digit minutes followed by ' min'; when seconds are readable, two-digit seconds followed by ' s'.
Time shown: 5 h 56 min
